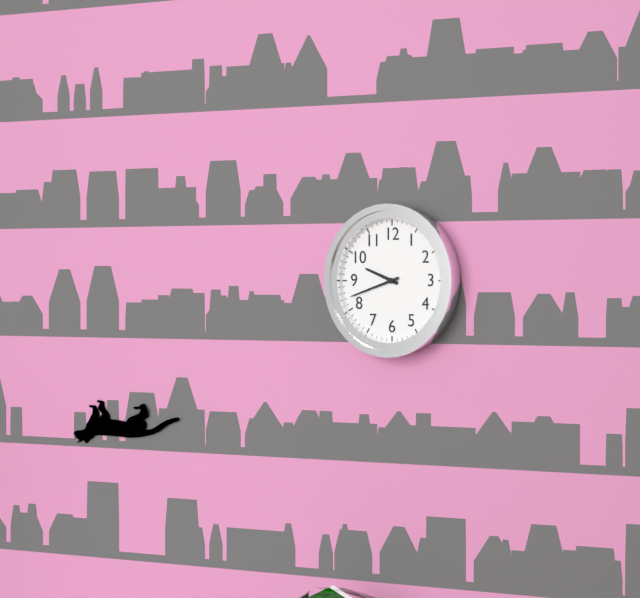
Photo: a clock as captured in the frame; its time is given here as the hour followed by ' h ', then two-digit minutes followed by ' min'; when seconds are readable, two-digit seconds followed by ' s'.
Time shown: 9 h 42 min
